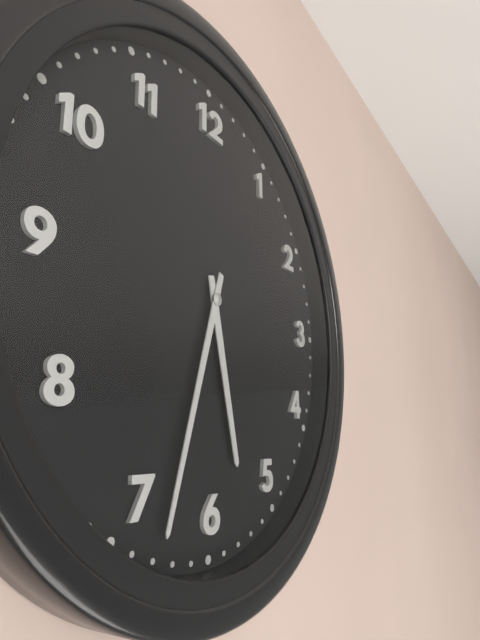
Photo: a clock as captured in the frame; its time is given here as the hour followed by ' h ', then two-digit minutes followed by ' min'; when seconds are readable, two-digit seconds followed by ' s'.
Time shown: 5 h 33 min
